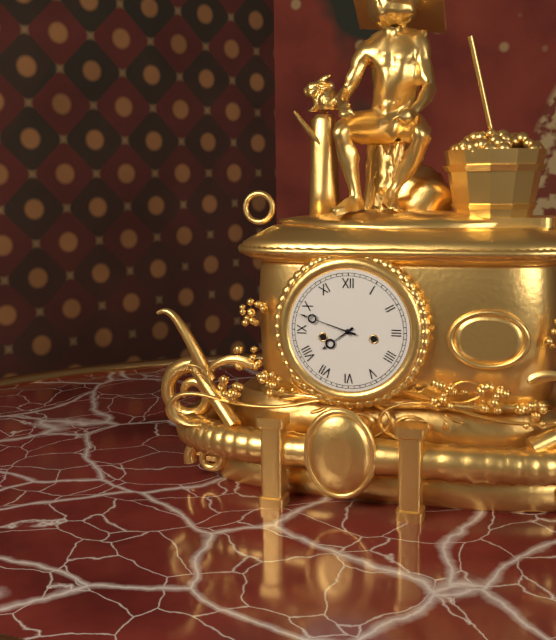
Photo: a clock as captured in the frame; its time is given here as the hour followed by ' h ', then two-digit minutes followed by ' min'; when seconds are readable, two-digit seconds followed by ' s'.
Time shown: 7 h 48 min
